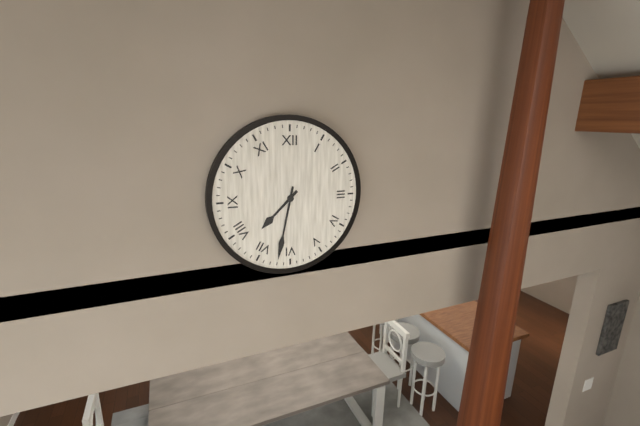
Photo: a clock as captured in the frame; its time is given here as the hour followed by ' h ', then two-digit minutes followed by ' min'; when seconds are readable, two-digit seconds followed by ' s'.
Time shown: 7 h 32 min
